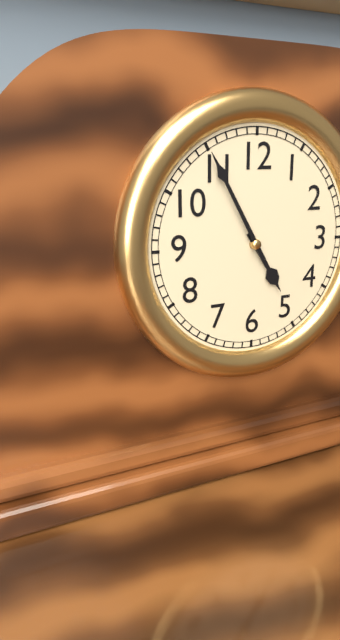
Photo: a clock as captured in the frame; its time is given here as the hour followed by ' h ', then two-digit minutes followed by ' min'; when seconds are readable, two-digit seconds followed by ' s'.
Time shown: 4 h 55 min
